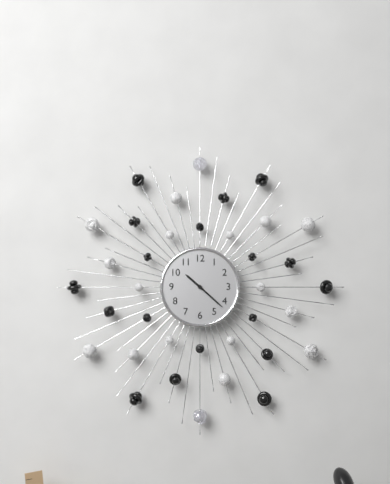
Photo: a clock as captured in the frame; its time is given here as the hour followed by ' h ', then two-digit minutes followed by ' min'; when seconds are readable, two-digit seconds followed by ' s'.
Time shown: 10 h 22 min
